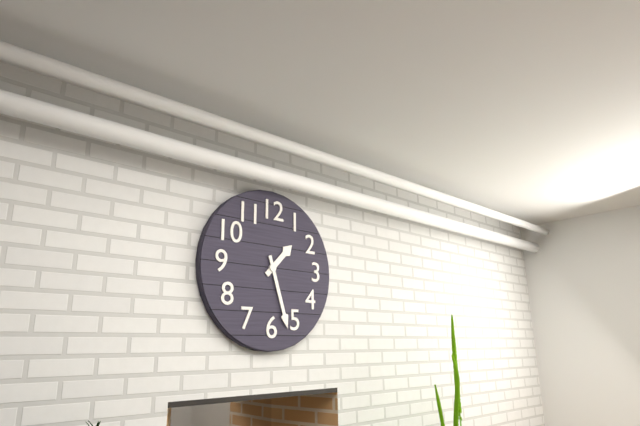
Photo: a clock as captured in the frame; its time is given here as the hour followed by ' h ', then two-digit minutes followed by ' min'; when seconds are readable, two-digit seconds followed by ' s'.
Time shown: 1 h 27 min
